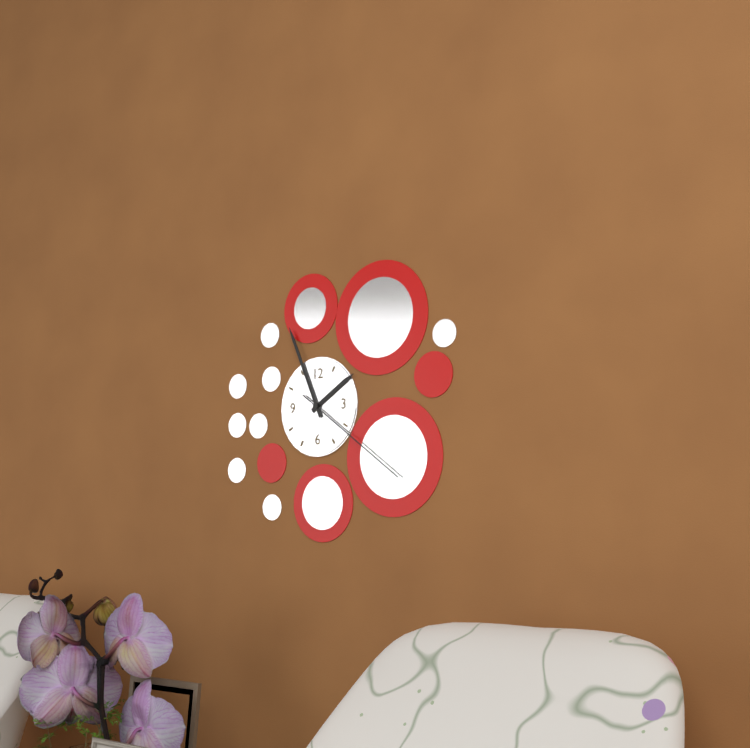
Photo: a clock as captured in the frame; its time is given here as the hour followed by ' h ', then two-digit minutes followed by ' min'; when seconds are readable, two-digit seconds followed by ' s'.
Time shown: 1 h 56 min 21 s
